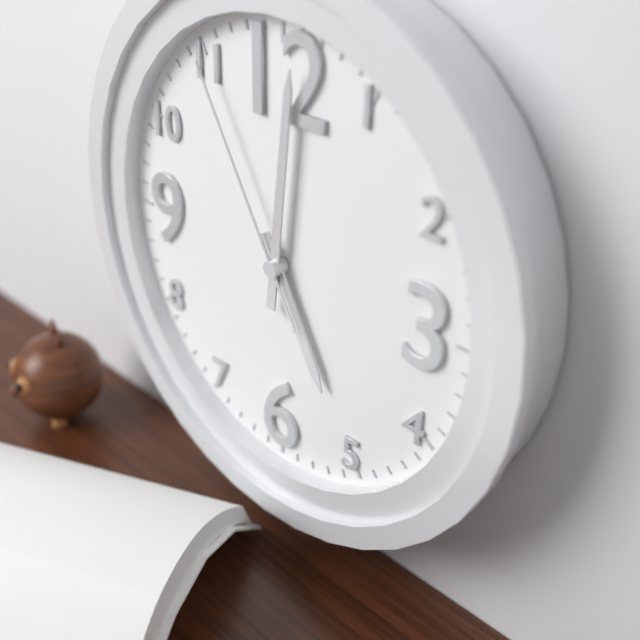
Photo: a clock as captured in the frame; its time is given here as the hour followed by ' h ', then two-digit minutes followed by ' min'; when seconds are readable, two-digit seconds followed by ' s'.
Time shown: 5 h 01 min 55 s
